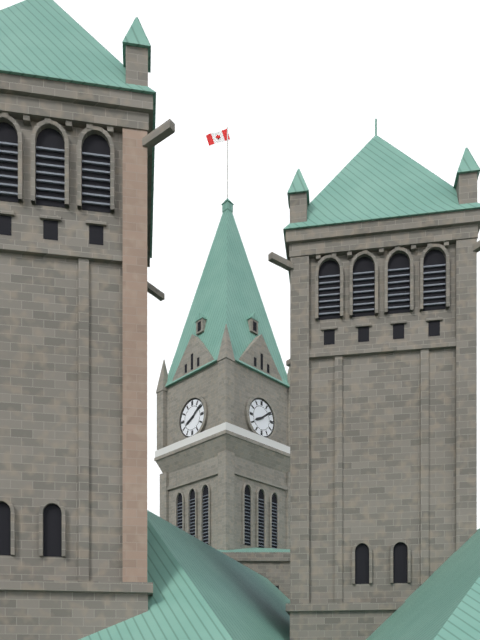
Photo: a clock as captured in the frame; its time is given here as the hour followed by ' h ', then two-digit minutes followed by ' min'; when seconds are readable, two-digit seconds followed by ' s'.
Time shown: 8 h 09 min
